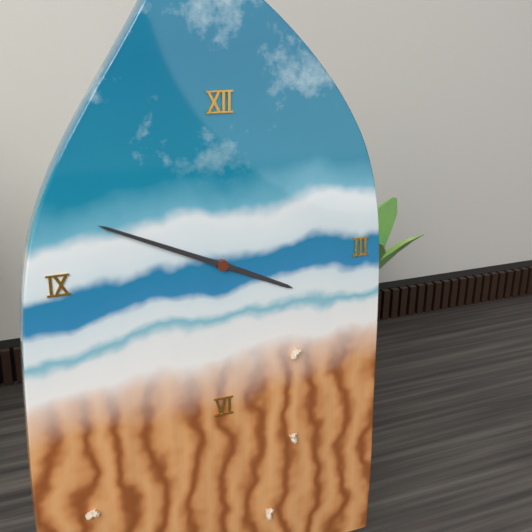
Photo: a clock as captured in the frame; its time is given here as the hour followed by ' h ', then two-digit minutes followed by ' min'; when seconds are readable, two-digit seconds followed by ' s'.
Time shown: 3 h 49 min
